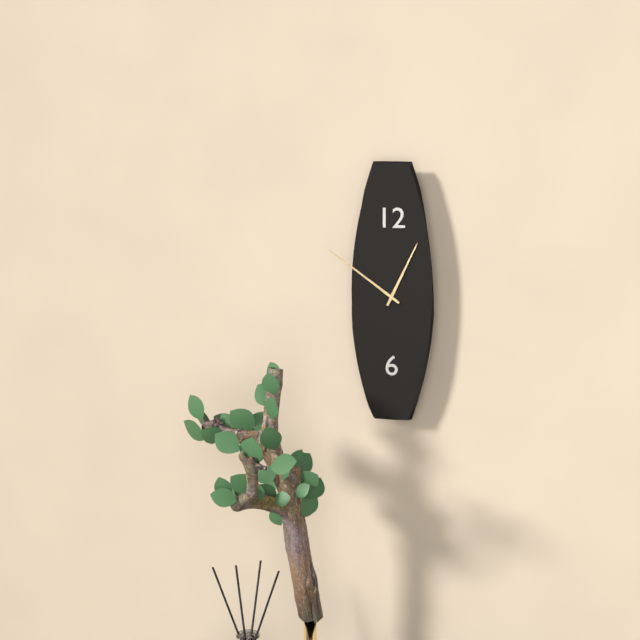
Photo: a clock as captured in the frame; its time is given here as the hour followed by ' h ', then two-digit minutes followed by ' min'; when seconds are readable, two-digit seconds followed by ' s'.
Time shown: 12 h 51 min
